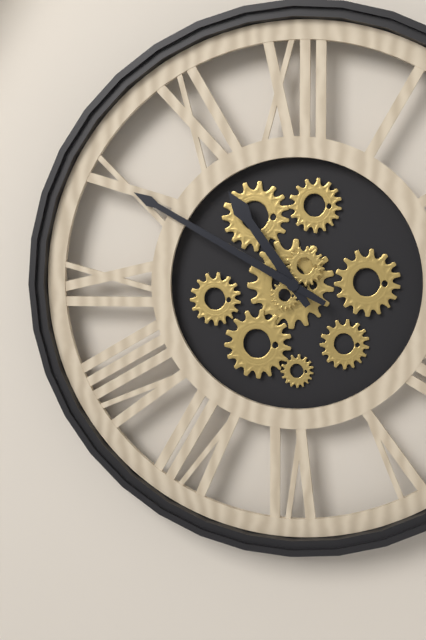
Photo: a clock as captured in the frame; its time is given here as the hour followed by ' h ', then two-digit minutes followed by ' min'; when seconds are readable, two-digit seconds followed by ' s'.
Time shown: 10 h 50 min
